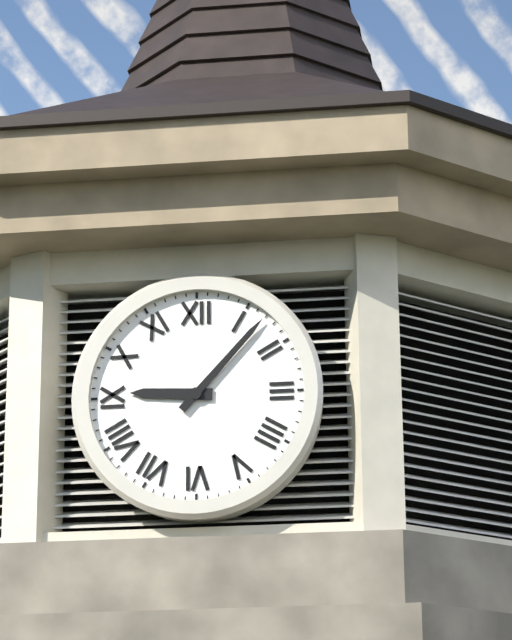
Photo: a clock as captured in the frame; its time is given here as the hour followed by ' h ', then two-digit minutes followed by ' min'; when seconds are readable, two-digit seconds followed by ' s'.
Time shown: 9 h 07 min
